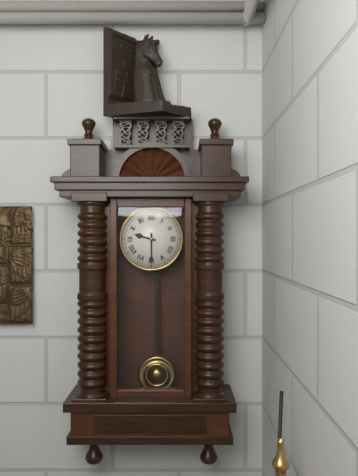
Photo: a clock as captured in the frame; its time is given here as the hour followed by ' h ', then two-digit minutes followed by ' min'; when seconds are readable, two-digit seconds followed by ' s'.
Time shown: 9 h 30 min
